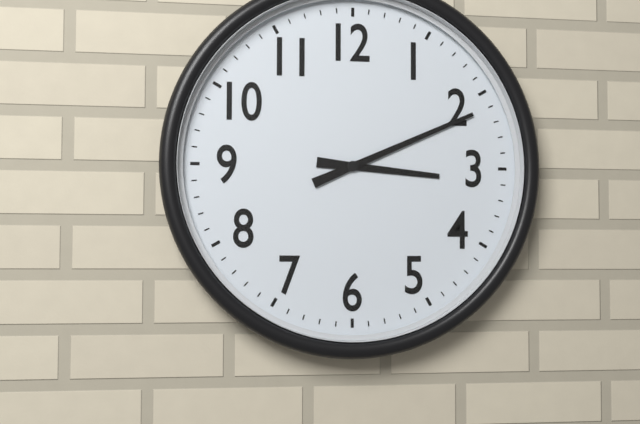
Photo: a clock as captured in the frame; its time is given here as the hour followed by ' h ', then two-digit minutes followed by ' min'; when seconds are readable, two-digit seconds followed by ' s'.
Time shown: 3 h 11 min
